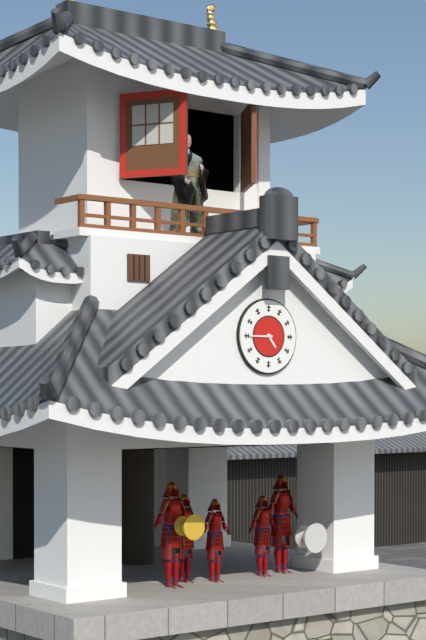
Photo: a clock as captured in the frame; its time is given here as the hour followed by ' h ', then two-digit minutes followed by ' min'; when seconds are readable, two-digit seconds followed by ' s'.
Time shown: 4 h 45 min
